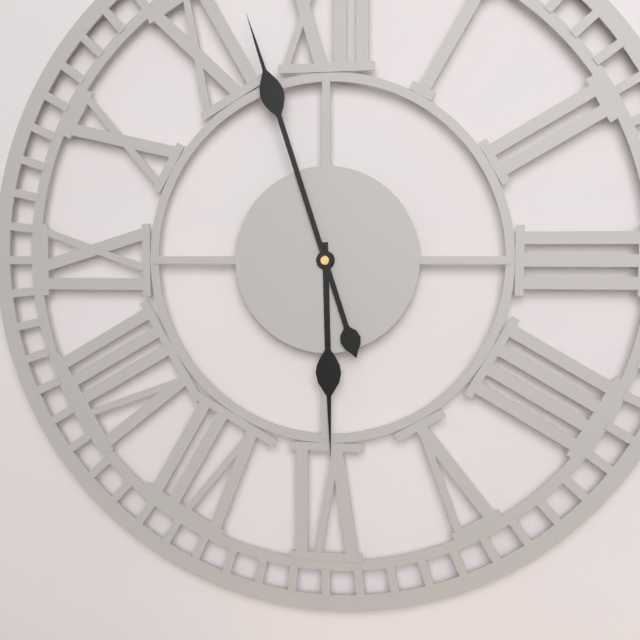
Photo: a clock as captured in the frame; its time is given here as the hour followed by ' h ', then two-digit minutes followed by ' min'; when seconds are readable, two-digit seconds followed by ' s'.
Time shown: 5 h 57 min
